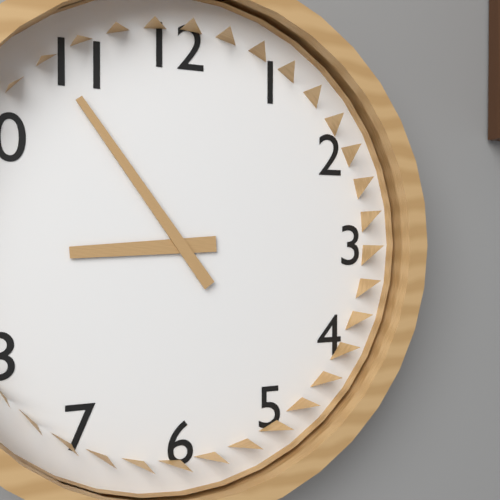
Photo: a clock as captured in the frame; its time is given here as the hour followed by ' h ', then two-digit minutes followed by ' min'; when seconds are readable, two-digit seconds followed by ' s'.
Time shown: 8 h 54 min
